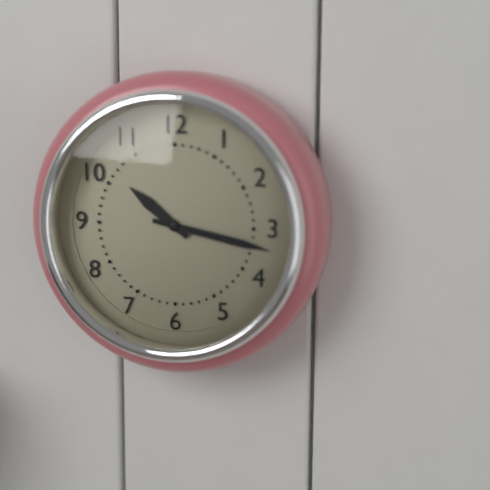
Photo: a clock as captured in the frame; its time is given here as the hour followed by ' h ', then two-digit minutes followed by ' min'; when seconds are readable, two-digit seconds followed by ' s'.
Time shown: 10 h 17 min
